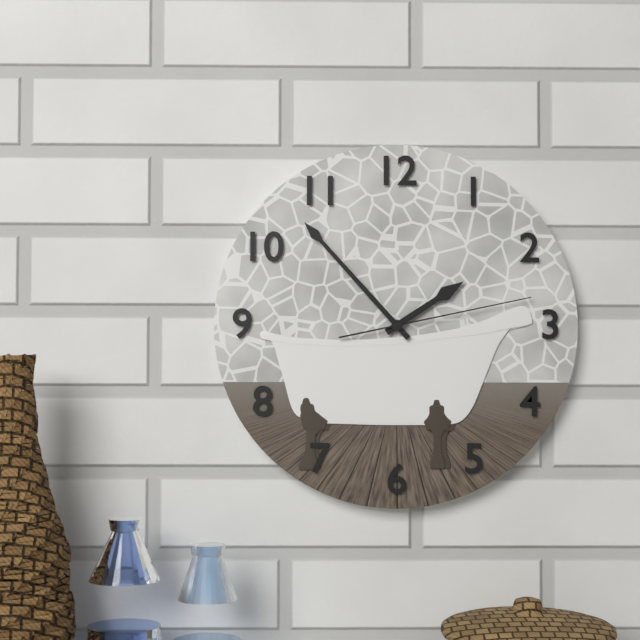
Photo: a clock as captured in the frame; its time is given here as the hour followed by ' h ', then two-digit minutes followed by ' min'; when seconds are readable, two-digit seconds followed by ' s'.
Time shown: 1 h 53 min 13 s
